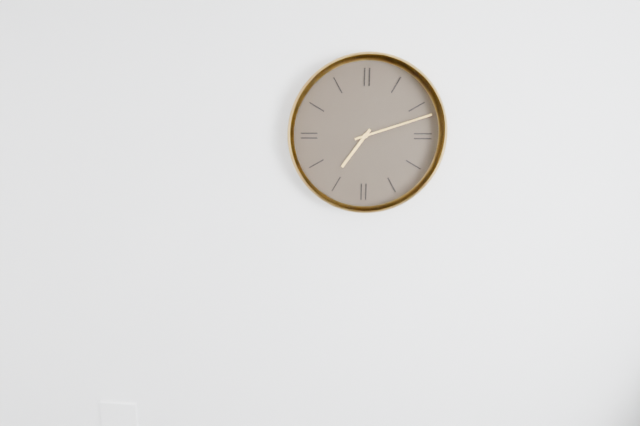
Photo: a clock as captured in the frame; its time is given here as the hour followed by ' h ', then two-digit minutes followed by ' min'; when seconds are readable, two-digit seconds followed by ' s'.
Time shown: 7 h 12 min
